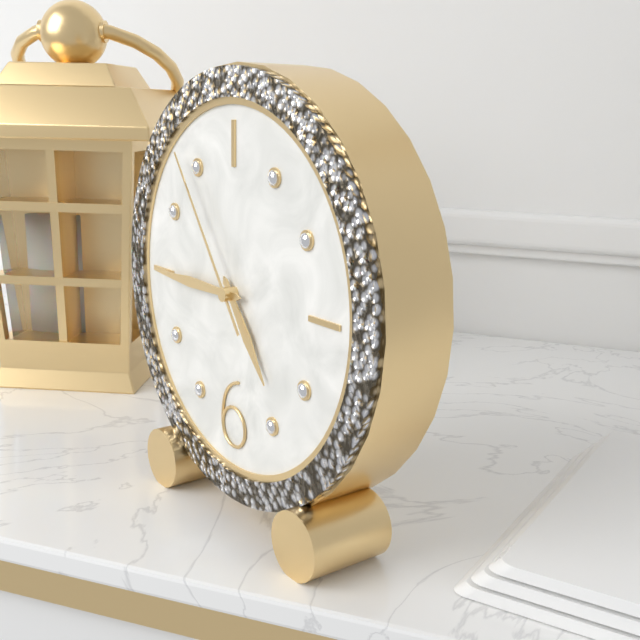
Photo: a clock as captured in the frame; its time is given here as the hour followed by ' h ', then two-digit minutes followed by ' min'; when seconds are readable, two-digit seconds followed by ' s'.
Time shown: 4 h 45 min 54 s
